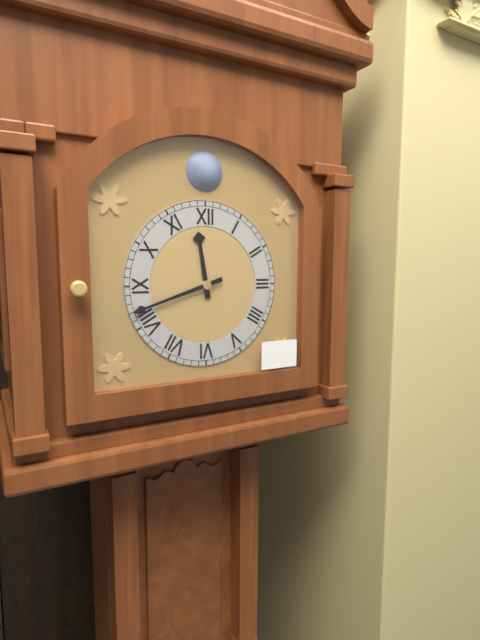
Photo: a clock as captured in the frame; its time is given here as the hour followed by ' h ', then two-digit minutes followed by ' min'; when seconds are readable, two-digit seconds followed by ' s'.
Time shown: 11 h 42 min
